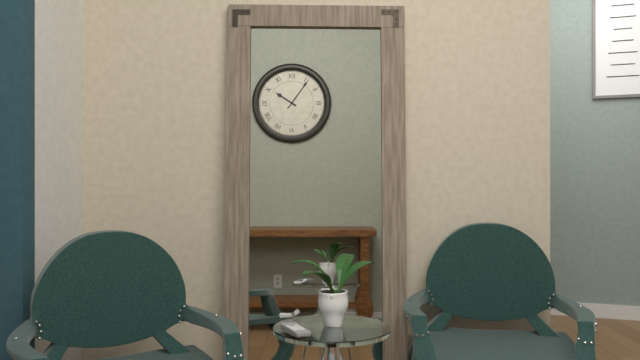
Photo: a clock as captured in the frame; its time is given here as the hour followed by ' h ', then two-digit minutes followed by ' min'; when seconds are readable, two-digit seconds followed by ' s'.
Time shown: 10 h 06 min
